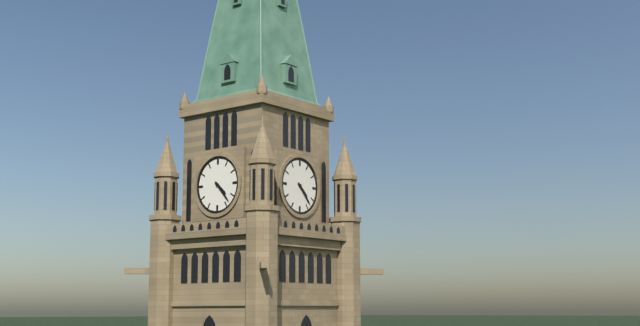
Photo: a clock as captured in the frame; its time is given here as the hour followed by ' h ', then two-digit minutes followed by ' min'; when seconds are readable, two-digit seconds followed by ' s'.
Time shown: 4 h 23 min
